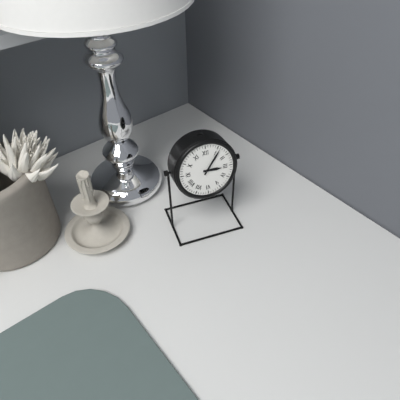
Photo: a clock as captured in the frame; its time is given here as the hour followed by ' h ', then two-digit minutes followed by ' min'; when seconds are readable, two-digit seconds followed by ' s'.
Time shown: 3 h 06 min
